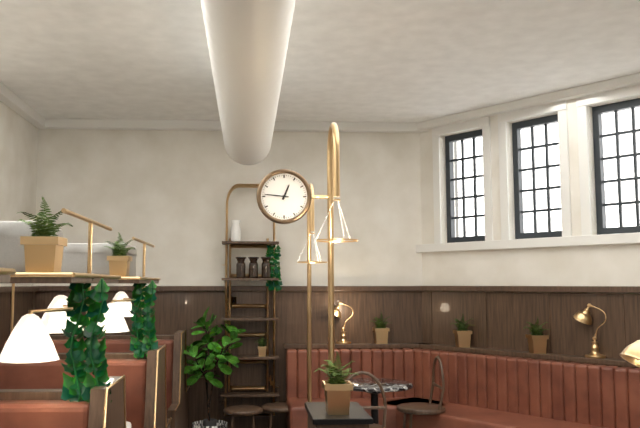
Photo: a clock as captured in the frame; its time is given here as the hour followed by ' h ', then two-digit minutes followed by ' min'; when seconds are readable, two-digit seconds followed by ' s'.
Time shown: 12 h 46 min
